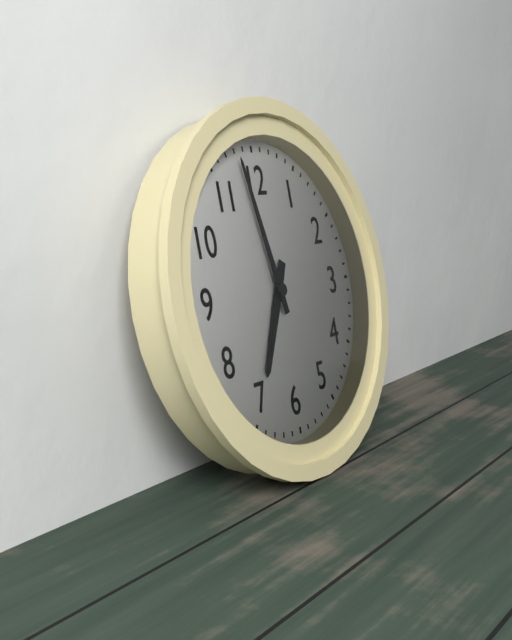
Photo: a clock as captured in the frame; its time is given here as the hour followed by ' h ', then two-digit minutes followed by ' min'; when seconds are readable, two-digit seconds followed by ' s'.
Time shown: 6 h 58 min
